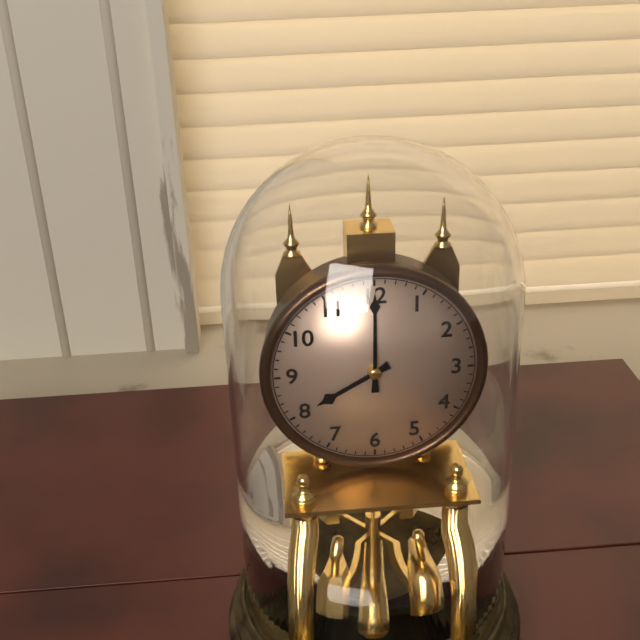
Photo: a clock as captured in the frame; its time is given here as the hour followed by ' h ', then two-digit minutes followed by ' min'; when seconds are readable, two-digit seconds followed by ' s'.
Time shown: 8 h 00 min
